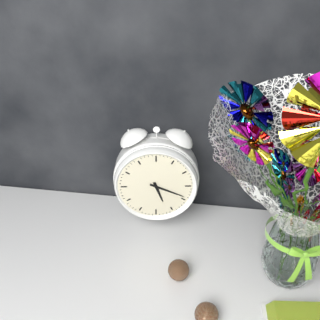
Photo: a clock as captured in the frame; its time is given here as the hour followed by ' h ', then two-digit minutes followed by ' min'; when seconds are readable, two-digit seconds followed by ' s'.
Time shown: 5 h 19 min
